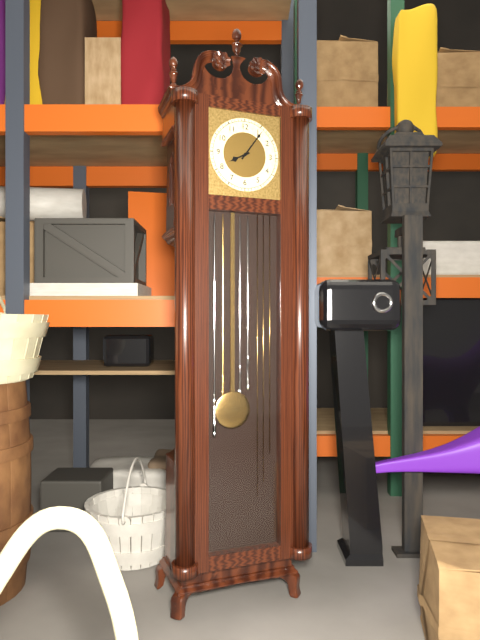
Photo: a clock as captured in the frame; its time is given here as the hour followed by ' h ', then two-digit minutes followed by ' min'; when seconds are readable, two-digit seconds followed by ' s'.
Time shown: 8 h 06 min
